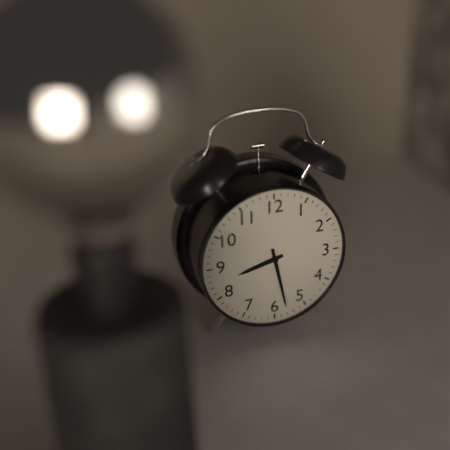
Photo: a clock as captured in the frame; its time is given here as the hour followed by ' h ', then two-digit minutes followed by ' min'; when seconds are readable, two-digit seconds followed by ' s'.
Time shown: 8 h 28 min
